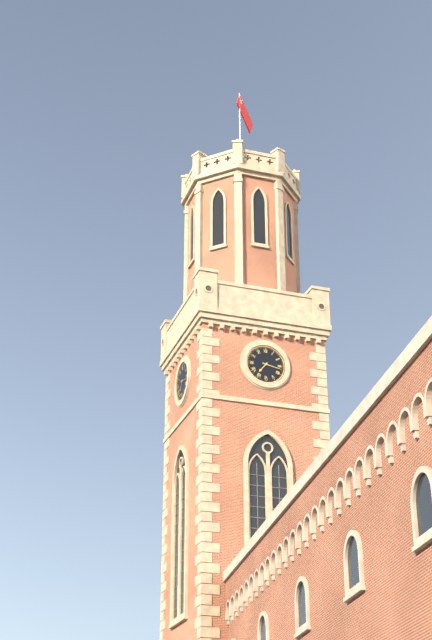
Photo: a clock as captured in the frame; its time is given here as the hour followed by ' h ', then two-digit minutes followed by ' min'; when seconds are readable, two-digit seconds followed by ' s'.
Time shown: 7 h 17 min
